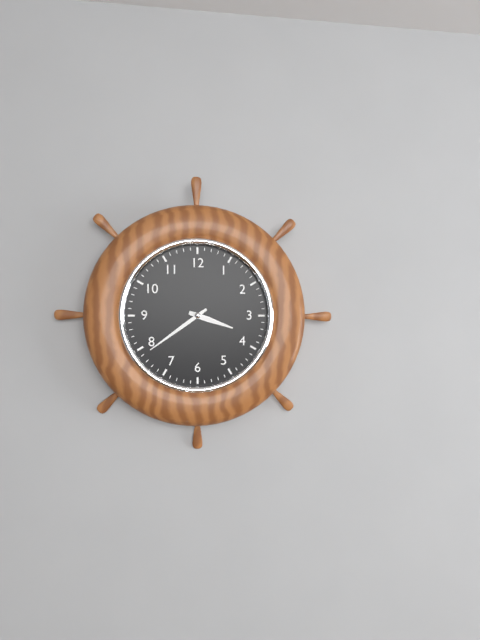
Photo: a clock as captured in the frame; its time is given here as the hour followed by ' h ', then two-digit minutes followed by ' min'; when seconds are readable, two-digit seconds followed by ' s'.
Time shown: 3 h 39 min
